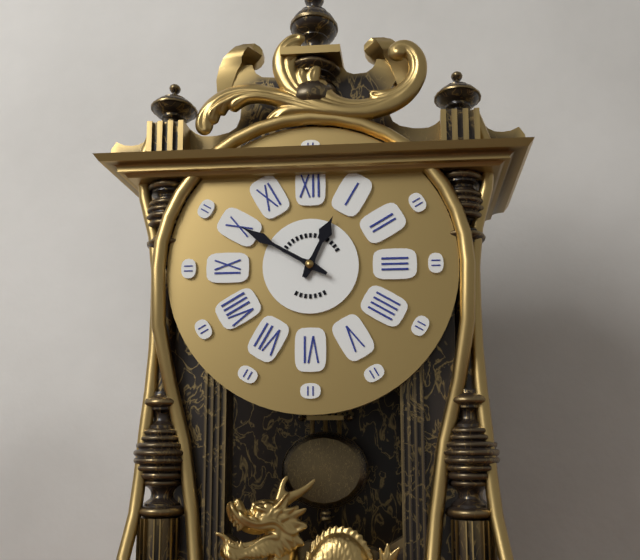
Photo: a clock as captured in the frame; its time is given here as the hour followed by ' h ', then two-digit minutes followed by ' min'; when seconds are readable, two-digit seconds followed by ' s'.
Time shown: 12 h 50 min
